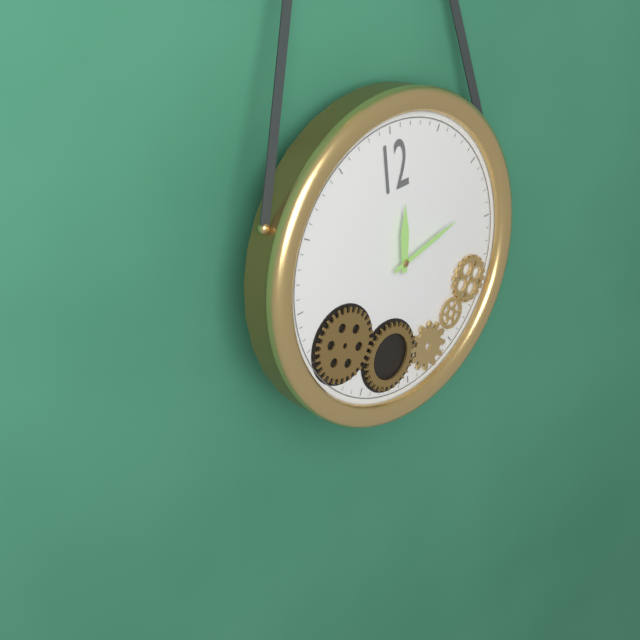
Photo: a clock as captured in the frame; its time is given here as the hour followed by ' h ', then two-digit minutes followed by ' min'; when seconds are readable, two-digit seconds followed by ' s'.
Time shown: 12 h 13 min
